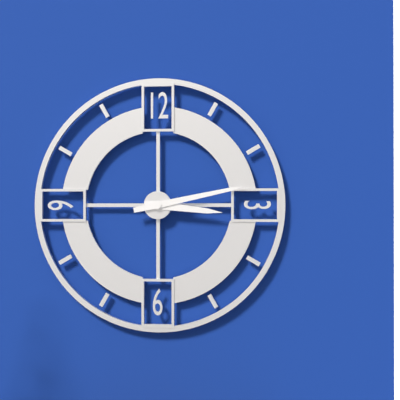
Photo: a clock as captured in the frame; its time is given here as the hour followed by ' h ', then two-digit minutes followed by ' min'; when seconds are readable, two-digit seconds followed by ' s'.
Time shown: 3 h 13 min
